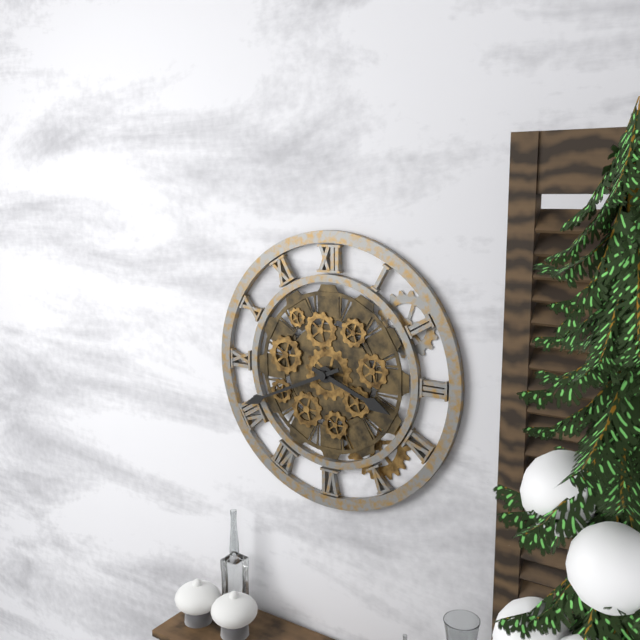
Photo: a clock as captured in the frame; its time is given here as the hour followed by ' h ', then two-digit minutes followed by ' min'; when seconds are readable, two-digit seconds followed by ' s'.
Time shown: 3 h 41 min
